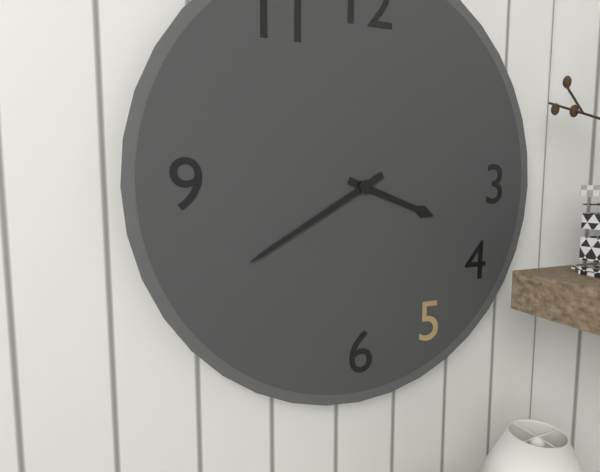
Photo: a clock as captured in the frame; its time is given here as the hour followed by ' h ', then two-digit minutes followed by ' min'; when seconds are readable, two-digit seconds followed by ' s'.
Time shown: 3 h 40 min
